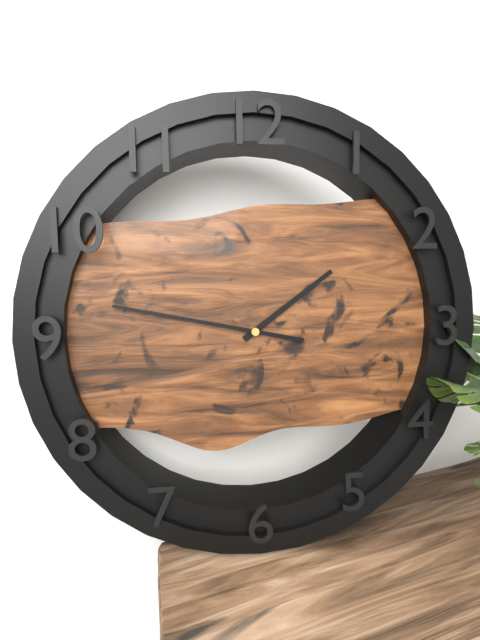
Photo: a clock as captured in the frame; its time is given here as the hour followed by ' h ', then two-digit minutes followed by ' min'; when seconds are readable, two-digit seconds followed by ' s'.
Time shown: 1 h 47 min
